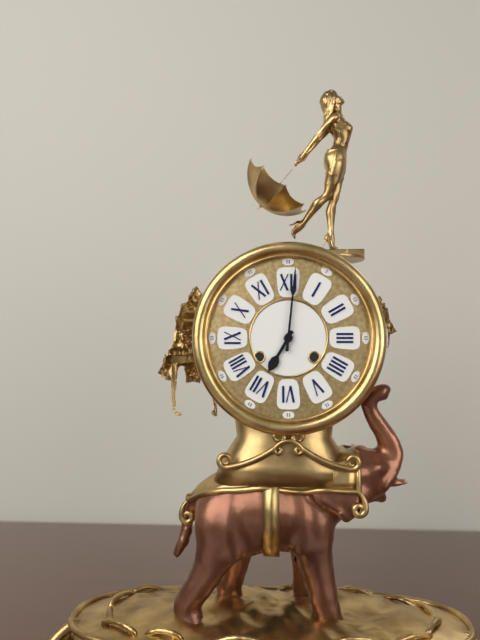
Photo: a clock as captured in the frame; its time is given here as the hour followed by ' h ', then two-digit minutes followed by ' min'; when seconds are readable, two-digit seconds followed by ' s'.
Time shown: 7 h 01 min
